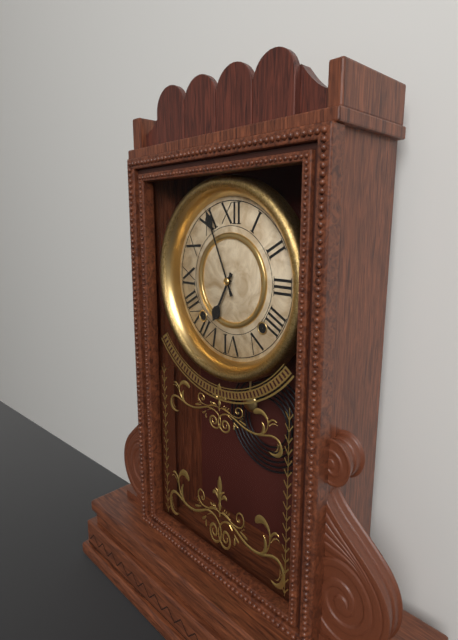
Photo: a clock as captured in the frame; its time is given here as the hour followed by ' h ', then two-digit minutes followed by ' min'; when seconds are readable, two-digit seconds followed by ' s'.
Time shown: 6 h 56 min
